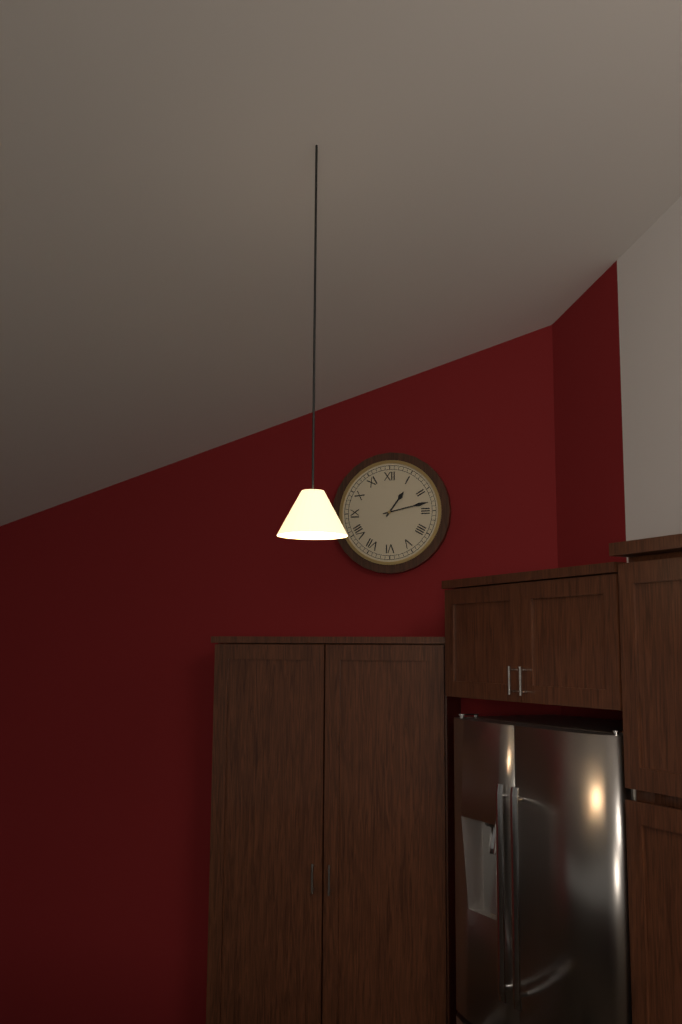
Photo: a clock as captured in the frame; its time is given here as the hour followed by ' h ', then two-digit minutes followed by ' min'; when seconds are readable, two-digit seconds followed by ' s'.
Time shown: 1 h 13 min
